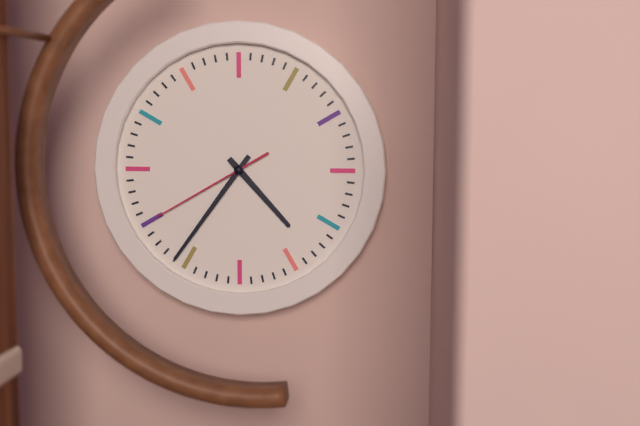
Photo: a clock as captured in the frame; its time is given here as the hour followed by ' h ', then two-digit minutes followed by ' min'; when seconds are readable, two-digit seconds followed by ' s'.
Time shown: 4 h 36 min 40 s
